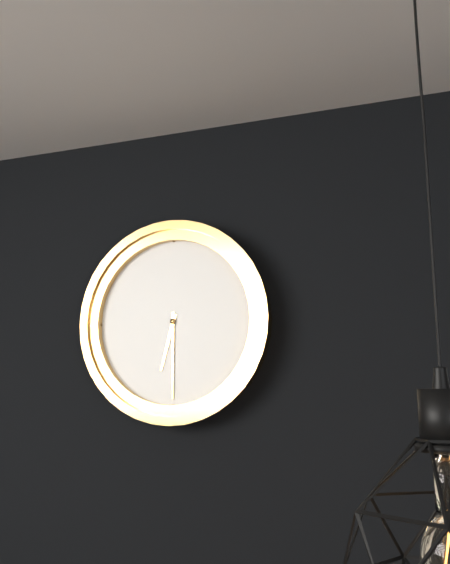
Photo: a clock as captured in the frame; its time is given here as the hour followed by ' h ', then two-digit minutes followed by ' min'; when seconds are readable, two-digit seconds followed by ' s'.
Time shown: 6 h 30 min
